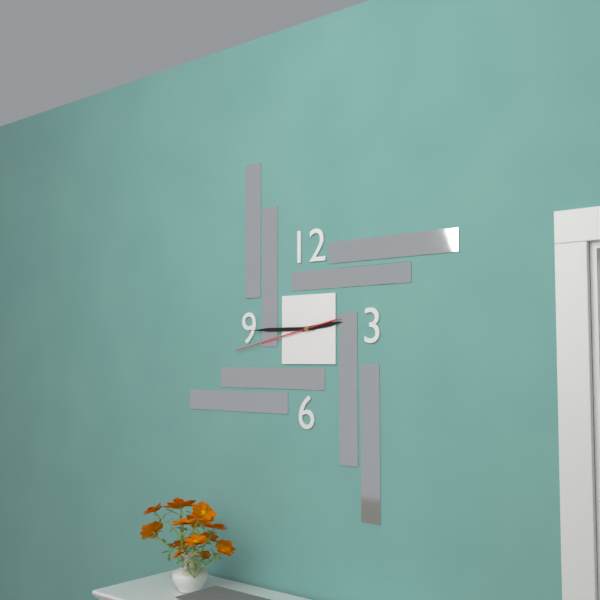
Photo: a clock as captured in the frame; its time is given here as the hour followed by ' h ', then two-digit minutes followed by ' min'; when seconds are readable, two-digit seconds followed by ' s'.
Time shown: 2 h 45 min 43 s
